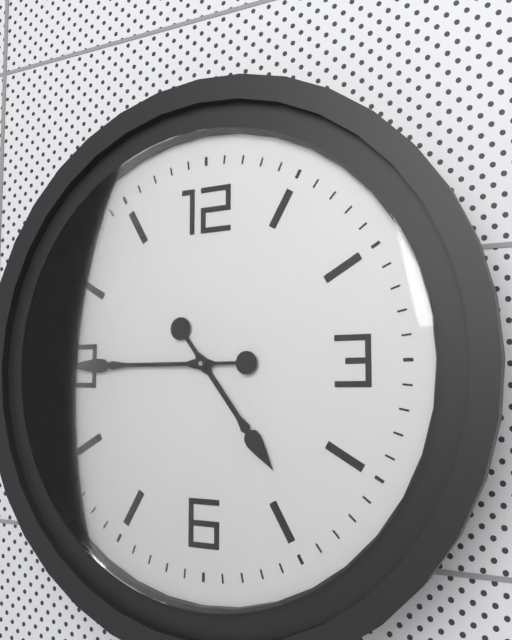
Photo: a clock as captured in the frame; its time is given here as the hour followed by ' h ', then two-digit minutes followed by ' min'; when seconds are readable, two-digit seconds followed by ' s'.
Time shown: 4 h 45 min
